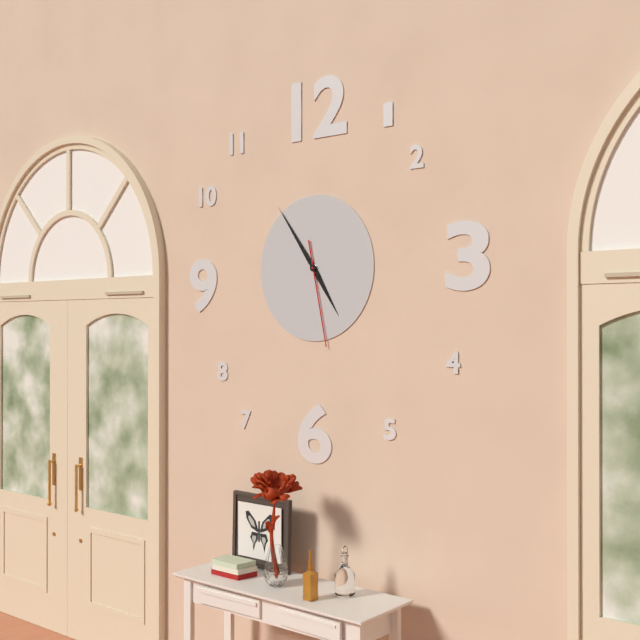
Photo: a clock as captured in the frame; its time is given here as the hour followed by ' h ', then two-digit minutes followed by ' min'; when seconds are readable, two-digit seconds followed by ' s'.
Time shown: 4 h 54 min 28 s
